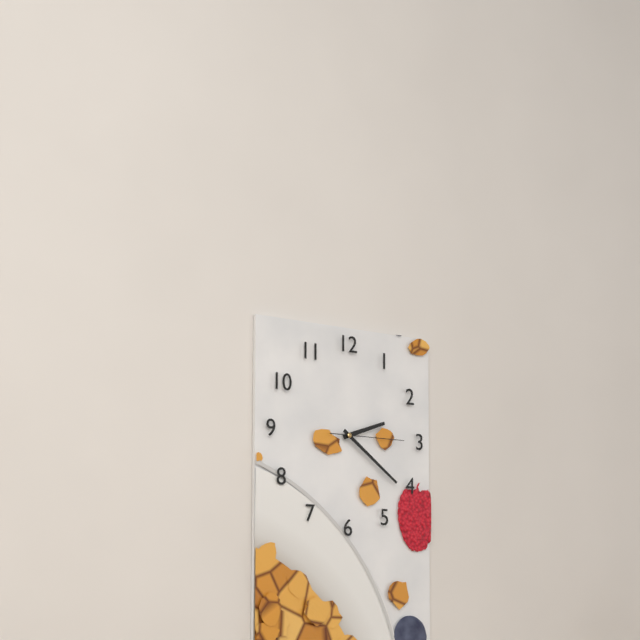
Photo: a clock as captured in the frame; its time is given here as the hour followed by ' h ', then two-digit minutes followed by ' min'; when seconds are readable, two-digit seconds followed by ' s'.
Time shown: 2 h 21 min 15 s
